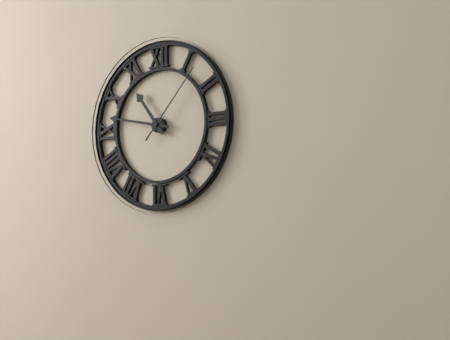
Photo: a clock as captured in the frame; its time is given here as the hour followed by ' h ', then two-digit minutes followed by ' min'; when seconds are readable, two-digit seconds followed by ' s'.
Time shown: 10 h 47 min 07 s
